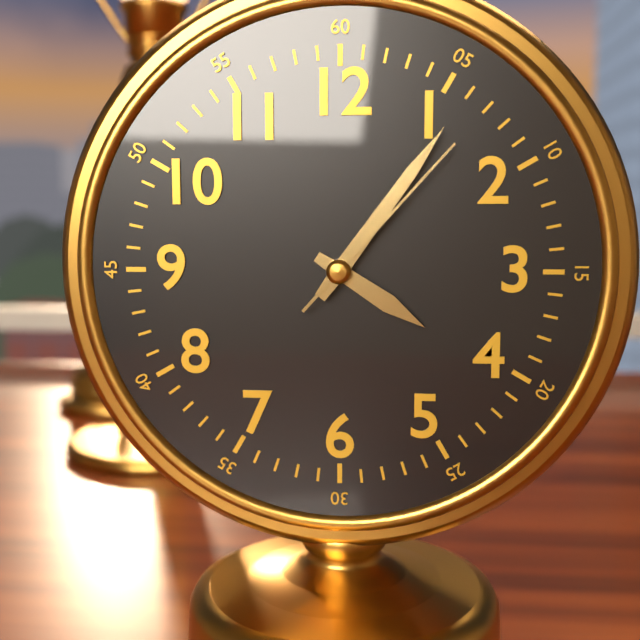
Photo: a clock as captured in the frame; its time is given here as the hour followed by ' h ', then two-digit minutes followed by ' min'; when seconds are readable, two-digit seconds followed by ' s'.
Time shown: 4 h 06 min 07 s
